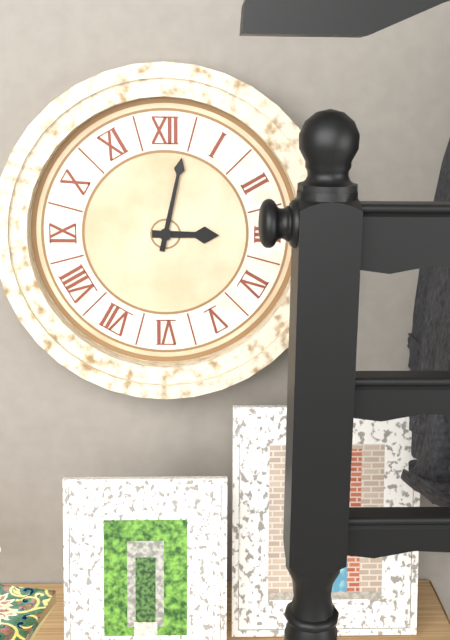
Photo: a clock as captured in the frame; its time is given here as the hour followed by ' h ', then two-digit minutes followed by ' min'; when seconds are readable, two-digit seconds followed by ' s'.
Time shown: 3 h 02 min
